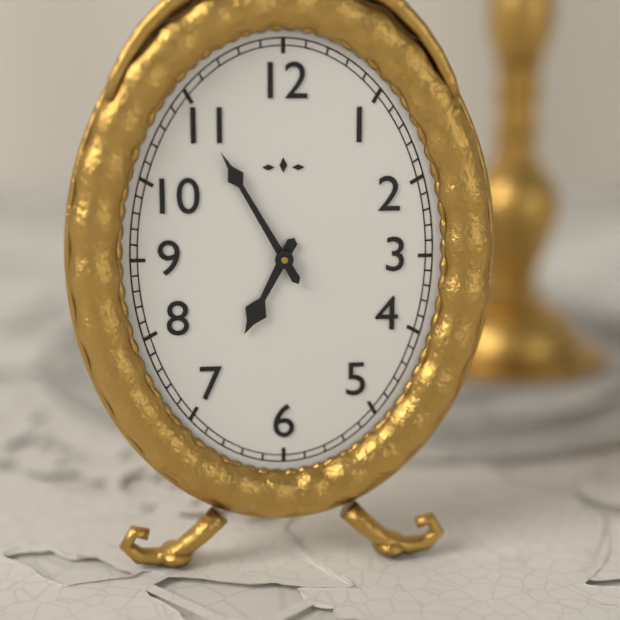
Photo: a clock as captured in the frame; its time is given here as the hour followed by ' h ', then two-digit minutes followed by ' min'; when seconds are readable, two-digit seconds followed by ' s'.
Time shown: 6 h 55 min
